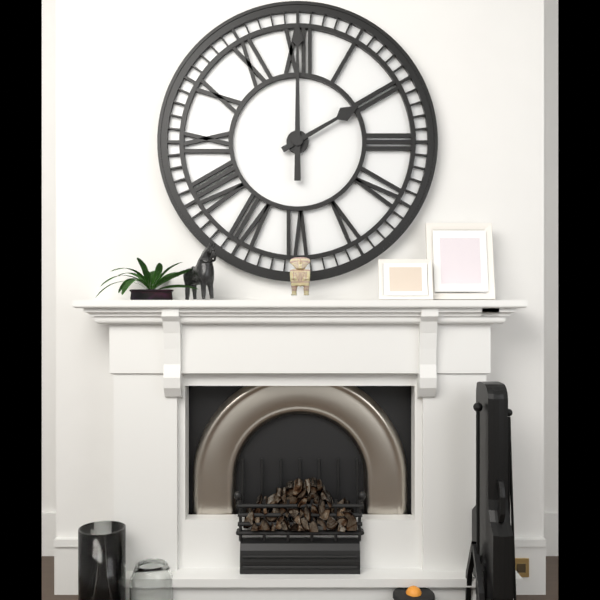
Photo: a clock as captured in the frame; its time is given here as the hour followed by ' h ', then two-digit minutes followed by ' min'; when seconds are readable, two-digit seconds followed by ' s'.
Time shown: 2 h 00 min
